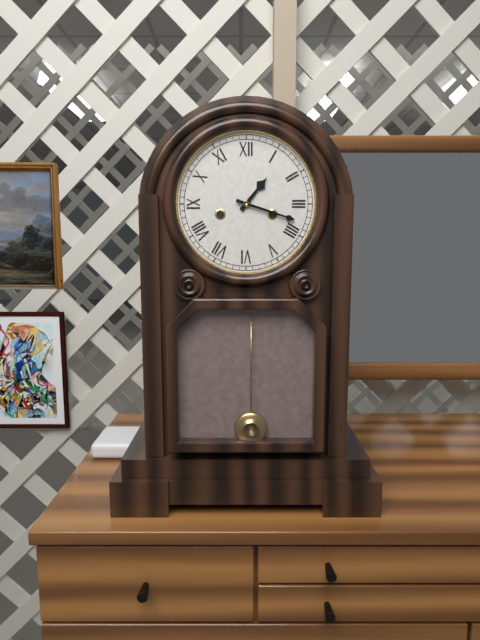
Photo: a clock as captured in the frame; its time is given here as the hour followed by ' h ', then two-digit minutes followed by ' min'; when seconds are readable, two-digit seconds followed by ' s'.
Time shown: 1 h 18 min
